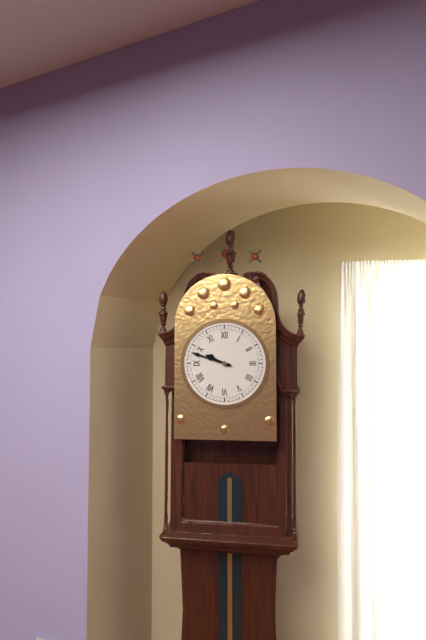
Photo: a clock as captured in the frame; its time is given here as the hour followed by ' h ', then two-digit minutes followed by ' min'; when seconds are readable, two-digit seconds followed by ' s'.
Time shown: 9 h 48 min
